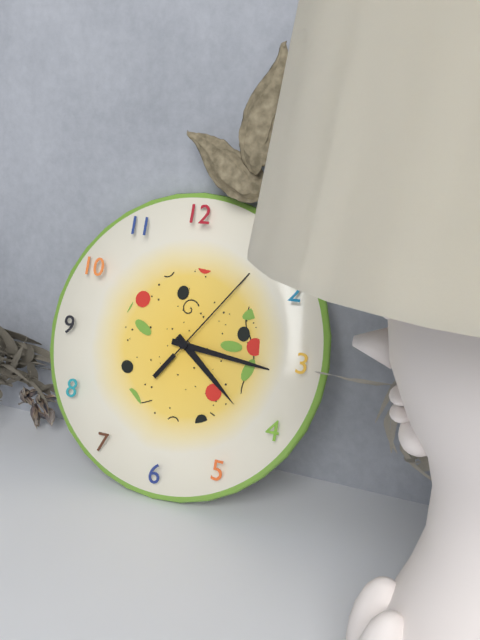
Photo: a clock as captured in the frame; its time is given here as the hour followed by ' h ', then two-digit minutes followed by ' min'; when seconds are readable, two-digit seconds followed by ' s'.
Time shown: 4 h 16 min 06 s
